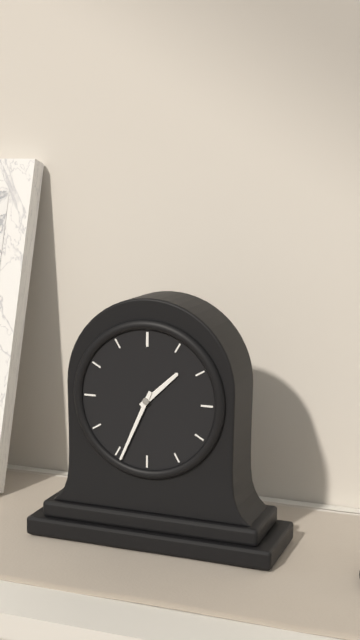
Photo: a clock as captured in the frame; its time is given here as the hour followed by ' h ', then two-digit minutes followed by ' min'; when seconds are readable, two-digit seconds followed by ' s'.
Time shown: 1 h 34 min
